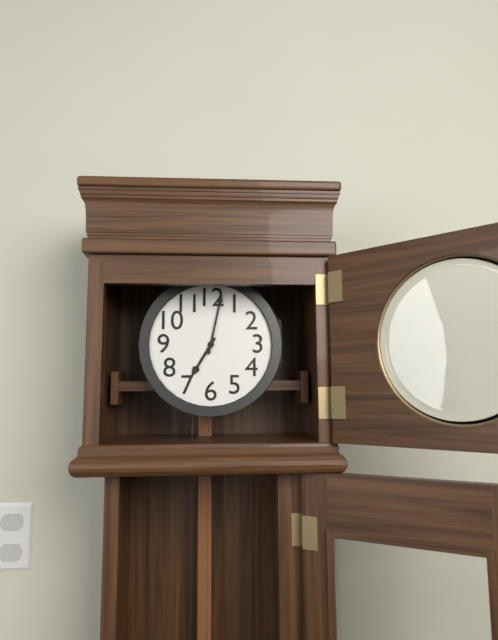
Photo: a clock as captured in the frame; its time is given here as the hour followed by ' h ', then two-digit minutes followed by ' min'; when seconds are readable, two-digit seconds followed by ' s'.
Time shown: 7 h 02 min
